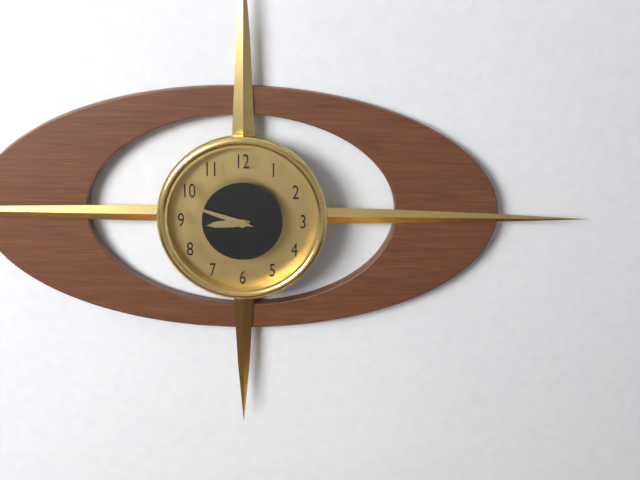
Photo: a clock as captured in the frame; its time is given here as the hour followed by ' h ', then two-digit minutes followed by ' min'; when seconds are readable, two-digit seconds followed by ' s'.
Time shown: 8 h 48 min
